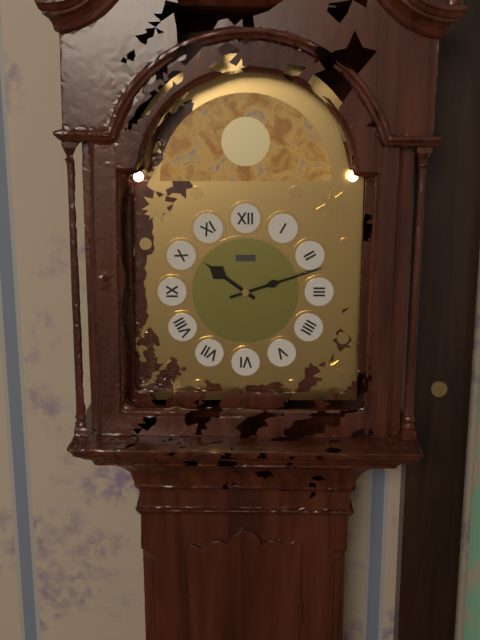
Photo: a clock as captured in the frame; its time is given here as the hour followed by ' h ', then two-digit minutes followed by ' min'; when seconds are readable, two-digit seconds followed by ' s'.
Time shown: 10 h 12 min
